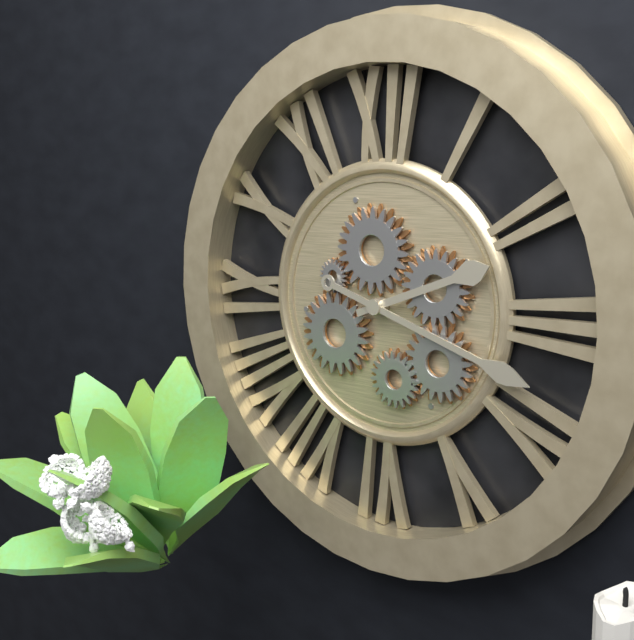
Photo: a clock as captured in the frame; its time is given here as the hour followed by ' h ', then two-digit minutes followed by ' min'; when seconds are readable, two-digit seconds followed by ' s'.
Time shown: 2 h 18 min
